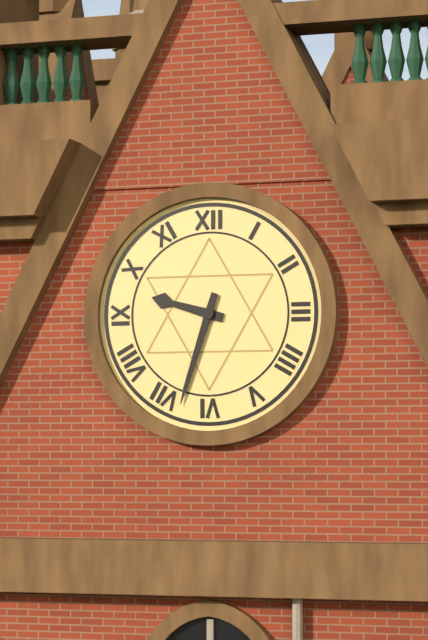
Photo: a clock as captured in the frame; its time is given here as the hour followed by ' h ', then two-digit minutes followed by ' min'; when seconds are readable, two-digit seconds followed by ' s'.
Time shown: 9 h 33 min
